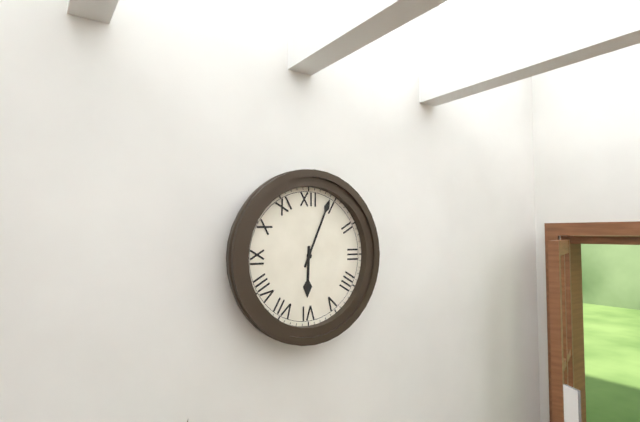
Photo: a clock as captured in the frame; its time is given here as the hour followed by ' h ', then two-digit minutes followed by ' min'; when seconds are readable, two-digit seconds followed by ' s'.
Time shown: 6 h 04 min
